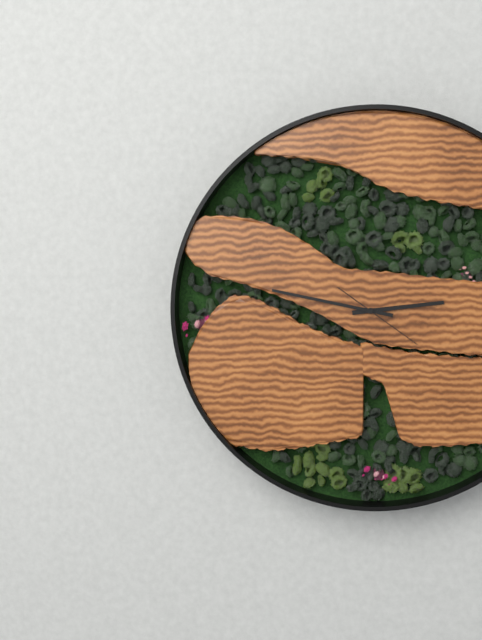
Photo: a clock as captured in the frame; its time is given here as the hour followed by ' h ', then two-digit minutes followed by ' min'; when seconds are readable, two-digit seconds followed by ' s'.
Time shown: 2 h 47 min 21 s
